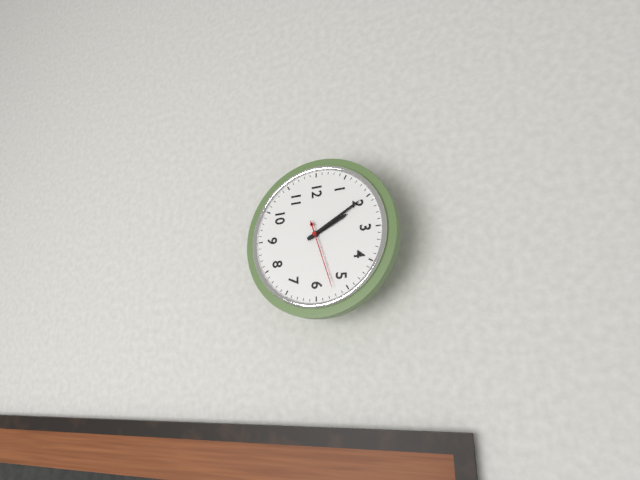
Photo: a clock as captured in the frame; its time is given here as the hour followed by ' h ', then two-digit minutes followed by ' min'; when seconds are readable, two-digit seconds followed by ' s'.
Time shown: 2 h 10 min 27 s
